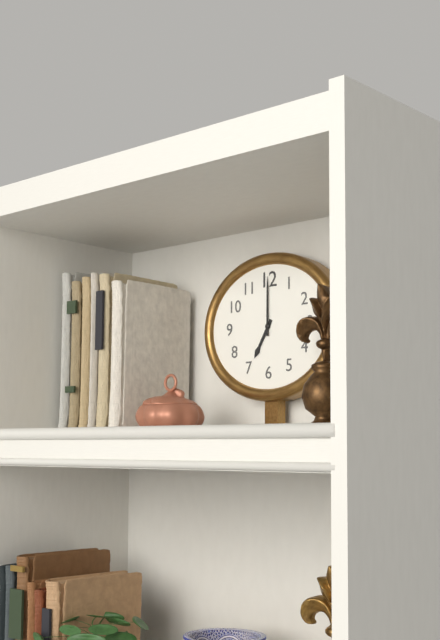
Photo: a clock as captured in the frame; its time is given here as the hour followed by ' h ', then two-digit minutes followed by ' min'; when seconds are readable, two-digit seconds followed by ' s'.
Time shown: 7 h 00 min
